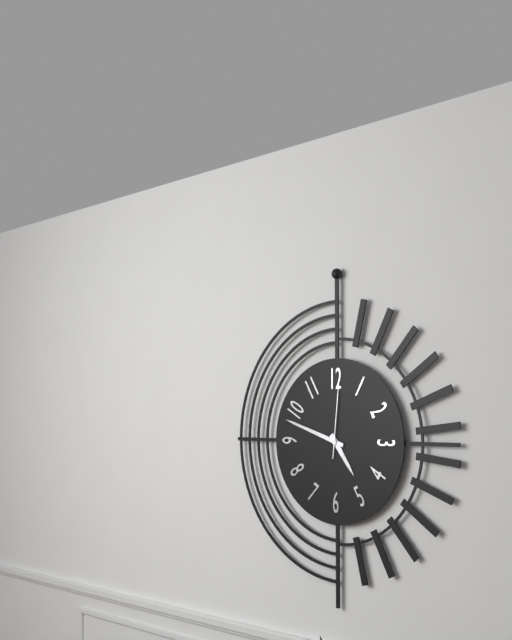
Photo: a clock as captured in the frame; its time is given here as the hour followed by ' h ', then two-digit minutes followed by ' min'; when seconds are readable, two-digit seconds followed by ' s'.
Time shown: 4 h 48 min 01 s
